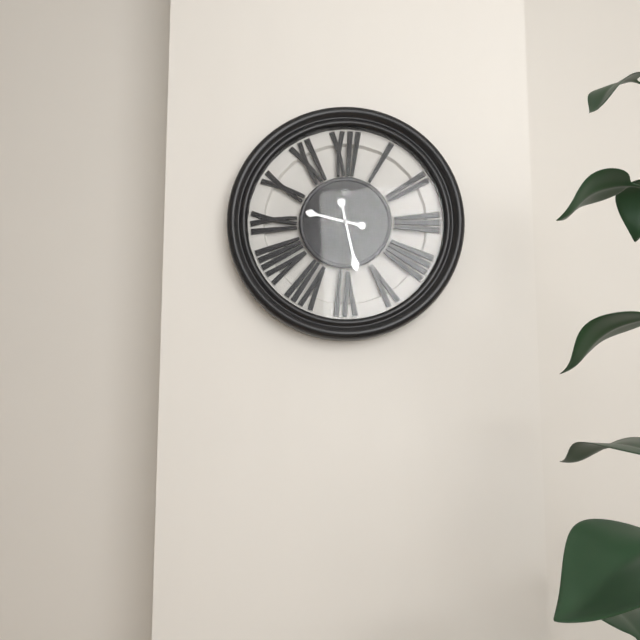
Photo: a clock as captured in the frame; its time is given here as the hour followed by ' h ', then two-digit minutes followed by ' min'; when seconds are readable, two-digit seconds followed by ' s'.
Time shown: 9 h 28 min
